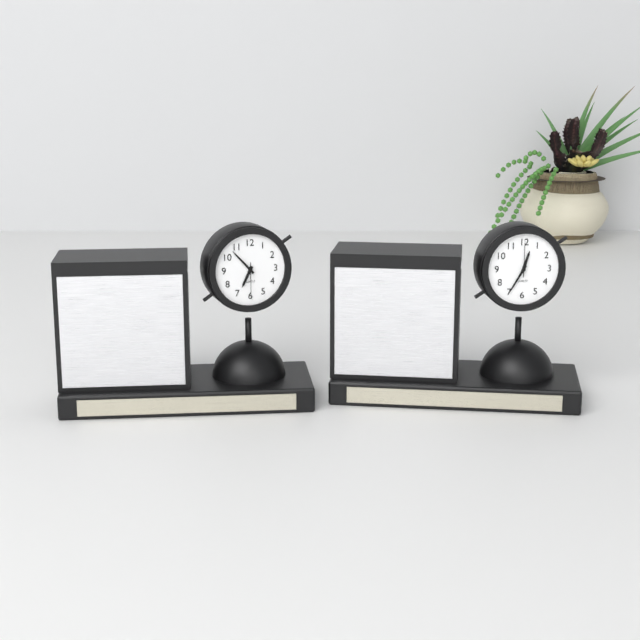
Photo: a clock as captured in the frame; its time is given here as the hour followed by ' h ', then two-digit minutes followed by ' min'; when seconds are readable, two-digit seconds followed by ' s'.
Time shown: 6 h 53 min
